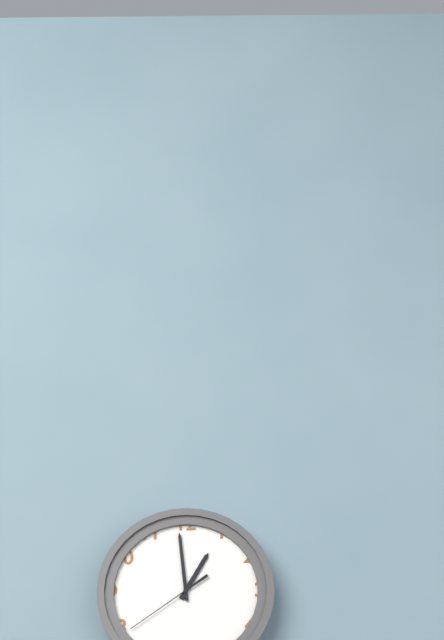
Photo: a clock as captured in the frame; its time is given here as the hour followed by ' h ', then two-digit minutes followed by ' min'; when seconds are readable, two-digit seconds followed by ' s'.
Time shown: 12 h 59 min 39 s
